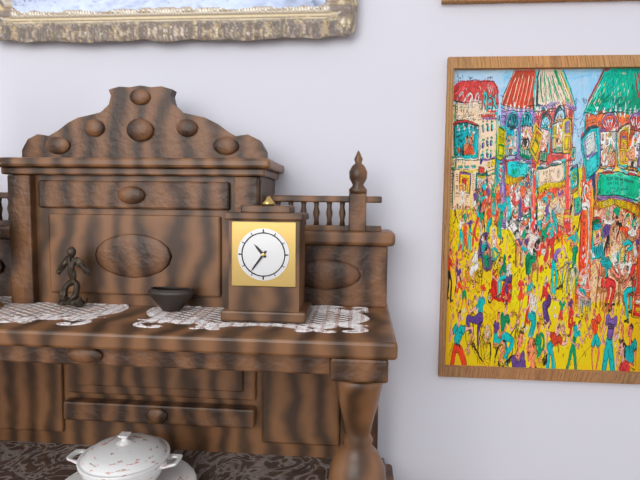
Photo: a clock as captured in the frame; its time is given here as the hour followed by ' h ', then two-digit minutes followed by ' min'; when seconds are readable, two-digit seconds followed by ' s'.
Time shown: 10 h 36 min
